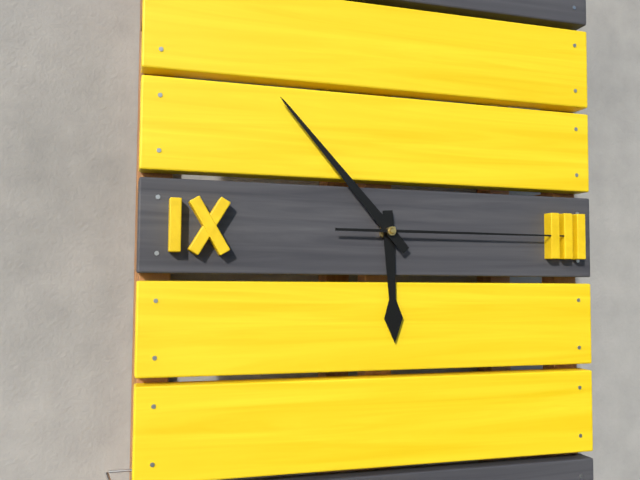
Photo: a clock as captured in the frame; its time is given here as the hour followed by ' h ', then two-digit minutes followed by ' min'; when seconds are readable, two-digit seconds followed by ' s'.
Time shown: 5 h 53 min 15 s
